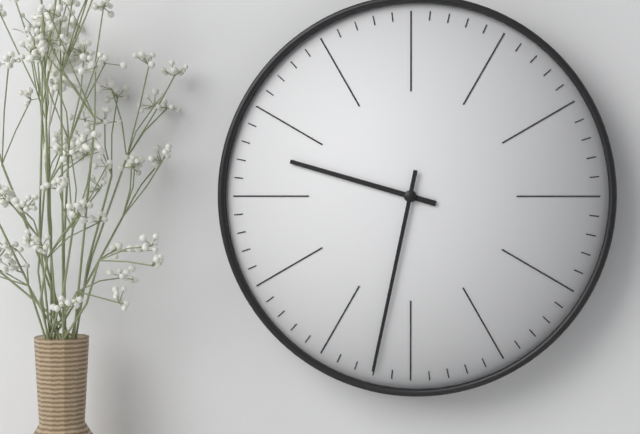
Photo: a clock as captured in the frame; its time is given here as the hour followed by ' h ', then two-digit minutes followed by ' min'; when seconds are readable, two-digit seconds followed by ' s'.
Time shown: 9 h 32 min
